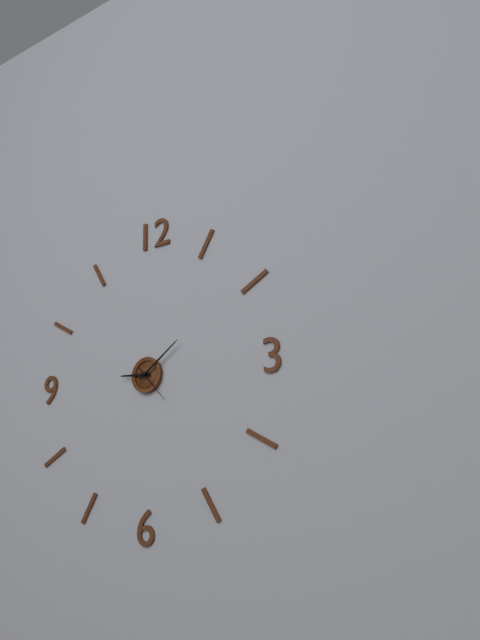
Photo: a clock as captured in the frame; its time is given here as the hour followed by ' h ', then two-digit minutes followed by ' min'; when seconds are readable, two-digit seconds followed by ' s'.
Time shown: 9 h 09 min
